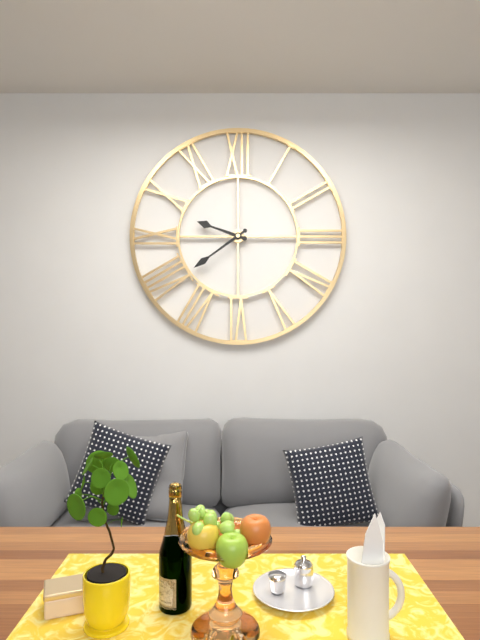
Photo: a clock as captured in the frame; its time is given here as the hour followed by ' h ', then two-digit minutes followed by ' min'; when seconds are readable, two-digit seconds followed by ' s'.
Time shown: 9 h 39 min
